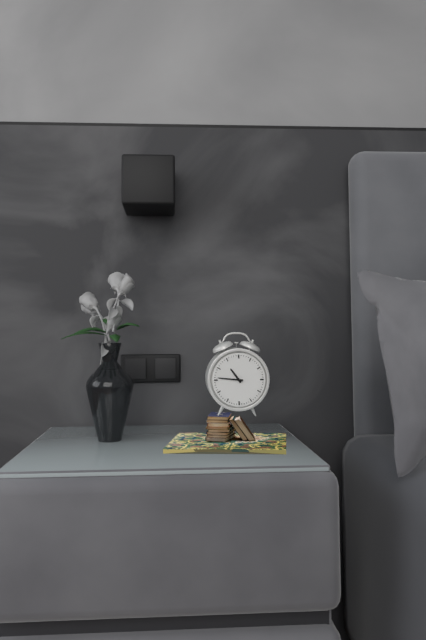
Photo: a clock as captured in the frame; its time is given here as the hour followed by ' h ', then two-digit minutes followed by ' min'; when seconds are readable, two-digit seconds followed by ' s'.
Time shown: 10 h 46 min
